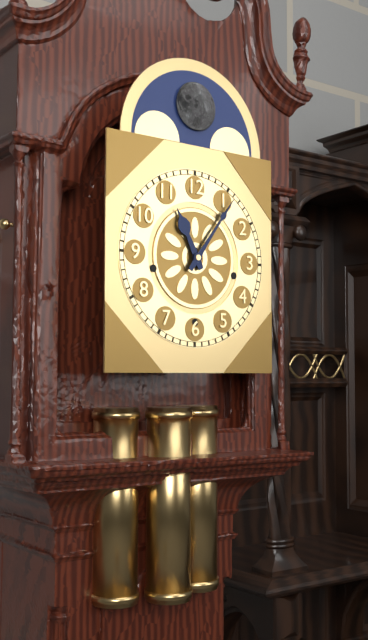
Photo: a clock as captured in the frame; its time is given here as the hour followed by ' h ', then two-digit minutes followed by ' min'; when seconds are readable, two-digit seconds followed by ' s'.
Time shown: 11 h 06 min
